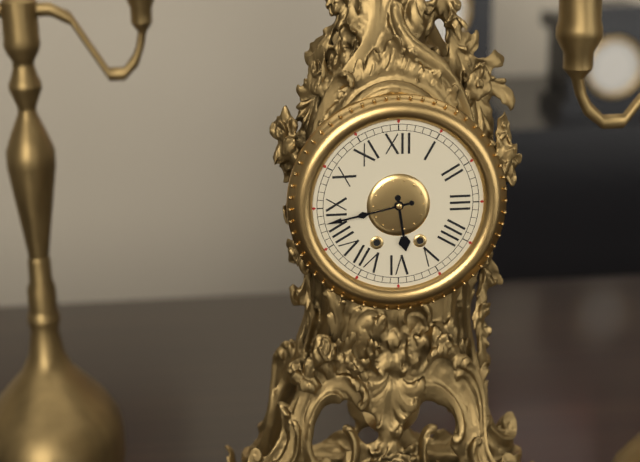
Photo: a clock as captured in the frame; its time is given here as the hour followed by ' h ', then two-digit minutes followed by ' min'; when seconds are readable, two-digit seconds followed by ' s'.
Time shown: 5 h 43 min
